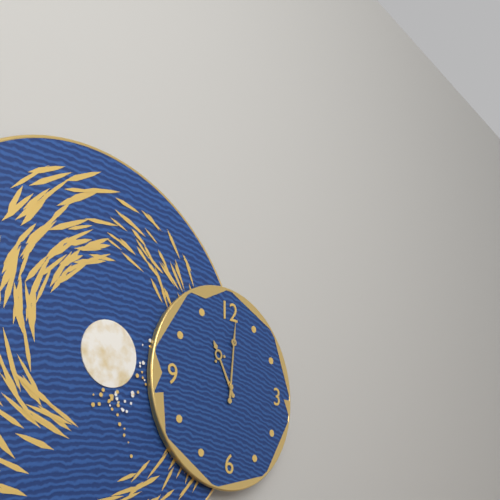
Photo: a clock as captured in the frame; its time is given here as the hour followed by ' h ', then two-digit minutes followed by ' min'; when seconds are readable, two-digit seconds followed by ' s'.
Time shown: 11 h 01 min
